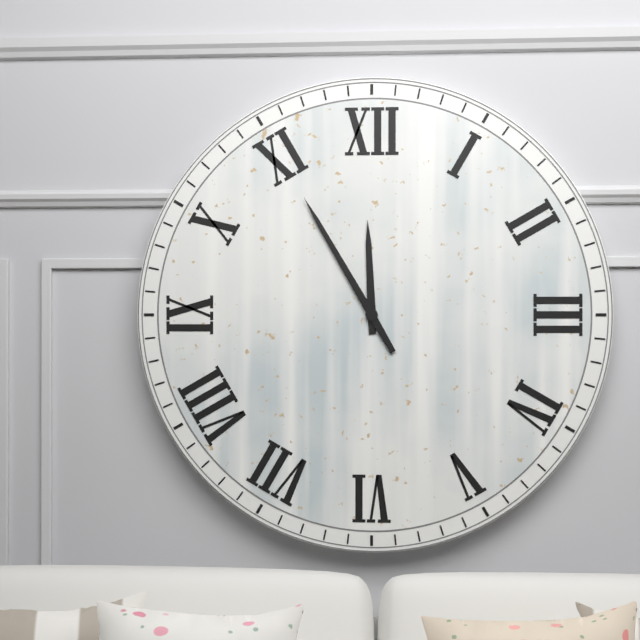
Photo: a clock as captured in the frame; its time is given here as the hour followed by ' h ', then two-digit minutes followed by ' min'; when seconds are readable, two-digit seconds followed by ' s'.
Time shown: 11 h 55 min
